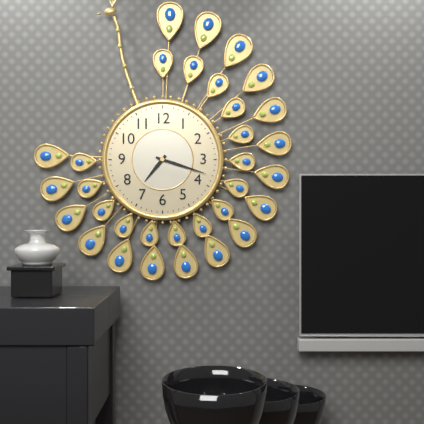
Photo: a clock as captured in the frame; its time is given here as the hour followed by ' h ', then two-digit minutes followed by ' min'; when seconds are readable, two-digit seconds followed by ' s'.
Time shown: 7 h 18 min
